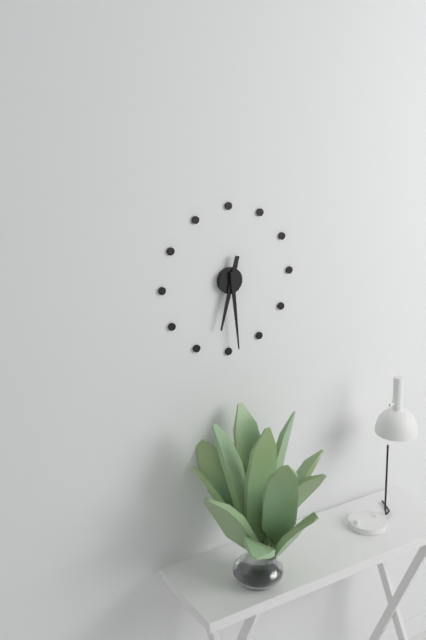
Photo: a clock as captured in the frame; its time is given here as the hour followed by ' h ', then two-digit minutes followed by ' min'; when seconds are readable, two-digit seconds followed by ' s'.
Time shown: 6 h 29 min
